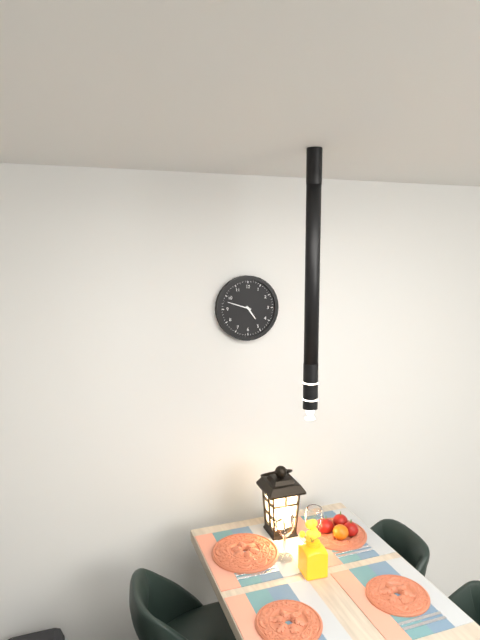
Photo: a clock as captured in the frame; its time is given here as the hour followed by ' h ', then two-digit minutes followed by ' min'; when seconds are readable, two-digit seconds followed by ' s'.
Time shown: 4 h 48 min
